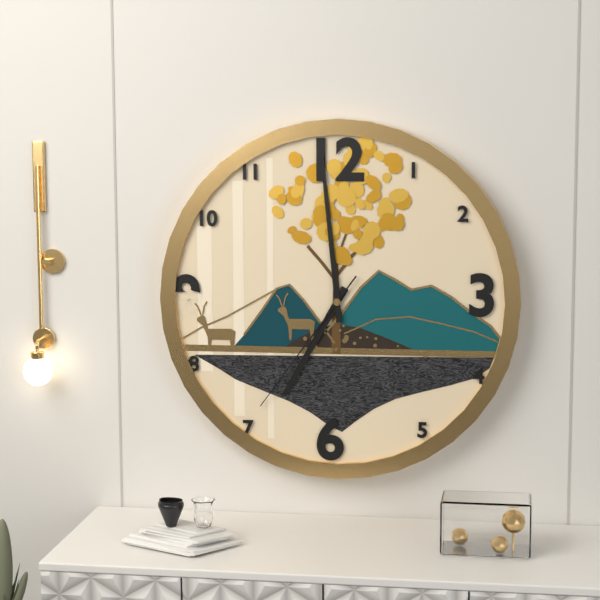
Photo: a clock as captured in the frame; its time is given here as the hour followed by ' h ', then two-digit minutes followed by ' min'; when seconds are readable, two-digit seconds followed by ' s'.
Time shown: 6 h 59 min 36 s
